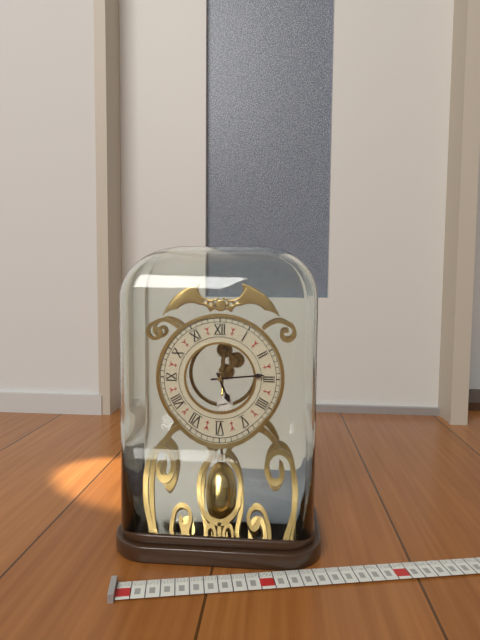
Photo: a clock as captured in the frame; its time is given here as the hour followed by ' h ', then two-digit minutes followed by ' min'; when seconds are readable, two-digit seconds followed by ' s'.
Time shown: 5 h 14 min
